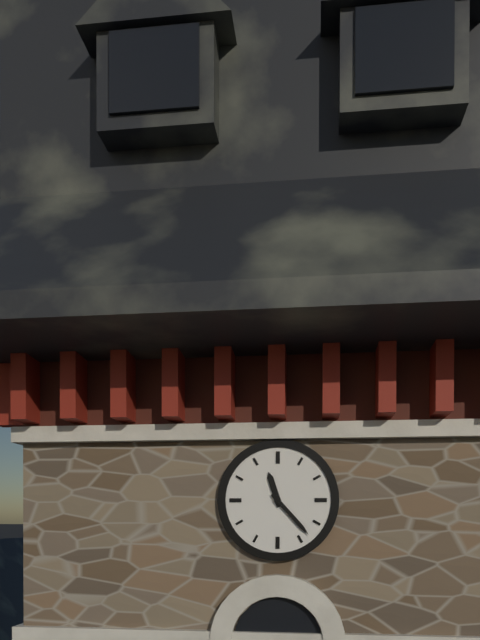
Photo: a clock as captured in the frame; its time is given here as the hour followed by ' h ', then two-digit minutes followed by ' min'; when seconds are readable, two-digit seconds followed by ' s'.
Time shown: 11 h 23 min
